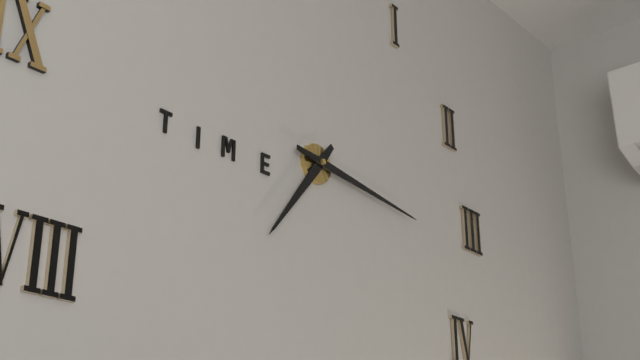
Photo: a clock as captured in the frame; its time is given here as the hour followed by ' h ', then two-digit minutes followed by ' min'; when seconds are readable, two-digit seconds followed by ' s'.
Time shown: 7 h 16 min
